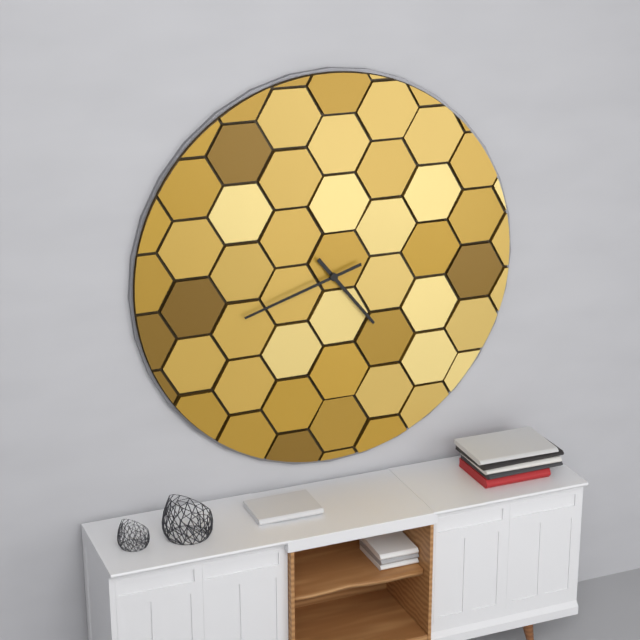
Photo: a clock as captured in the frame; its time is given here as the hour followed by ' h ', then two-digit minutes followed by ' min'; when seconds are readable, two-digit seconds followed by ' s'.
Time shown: 4 h 42 min
